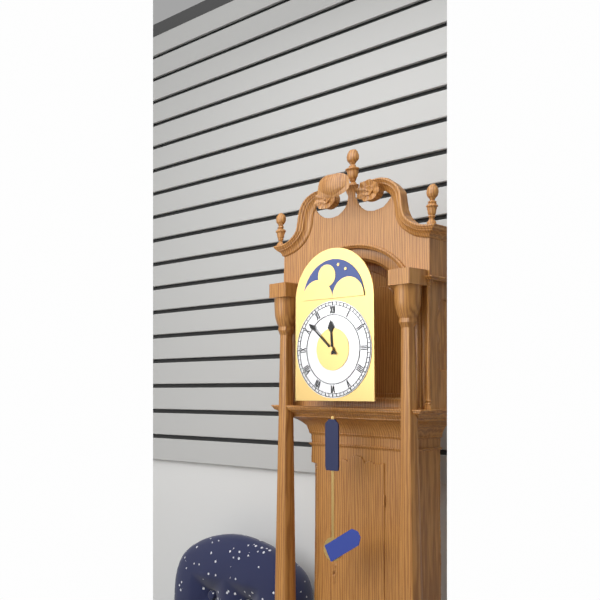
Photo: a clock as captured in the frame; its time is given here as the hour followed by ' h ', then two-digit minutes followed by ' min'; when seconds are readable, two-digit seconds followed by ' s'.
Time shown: 11 h 52 min
